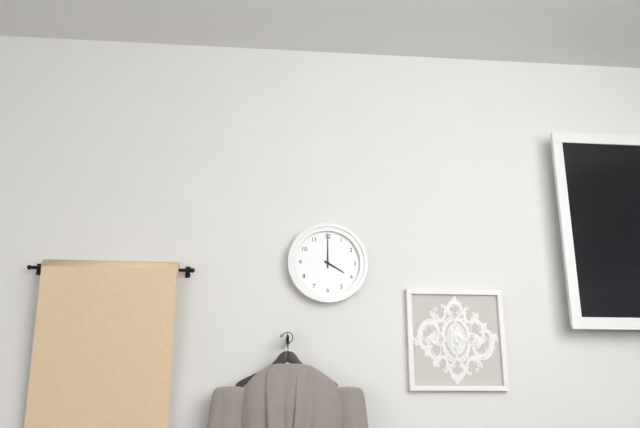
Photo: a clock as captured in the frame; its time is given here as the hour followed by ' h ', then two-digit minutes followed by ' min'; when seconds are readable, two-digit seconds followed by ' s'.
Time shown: 4 h 00 min
